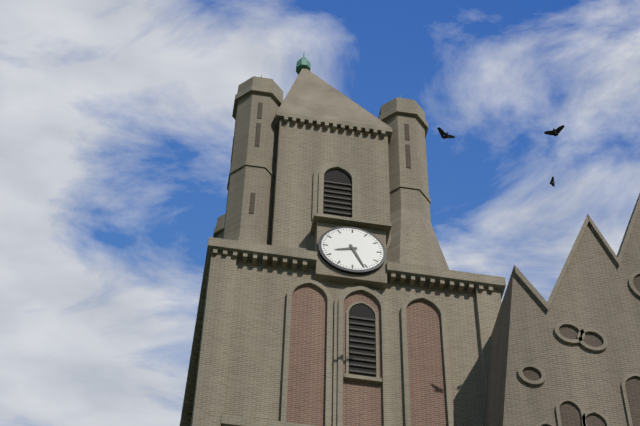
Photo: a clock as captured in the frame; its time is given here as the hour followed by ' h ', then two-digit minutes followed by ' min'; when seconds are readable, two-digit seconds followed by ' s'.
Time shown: 8 h 26 min
